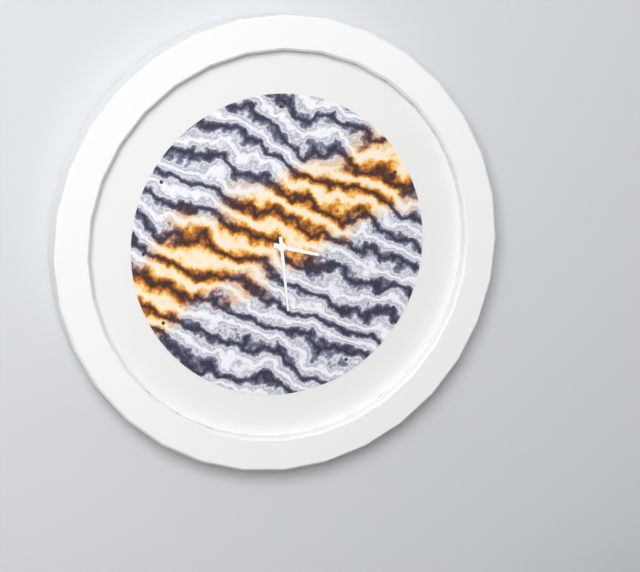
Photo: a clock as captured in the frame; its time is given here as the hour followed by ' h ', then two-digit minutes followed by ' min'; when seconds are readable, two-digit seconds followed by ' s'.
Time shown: 3 h 29 min
